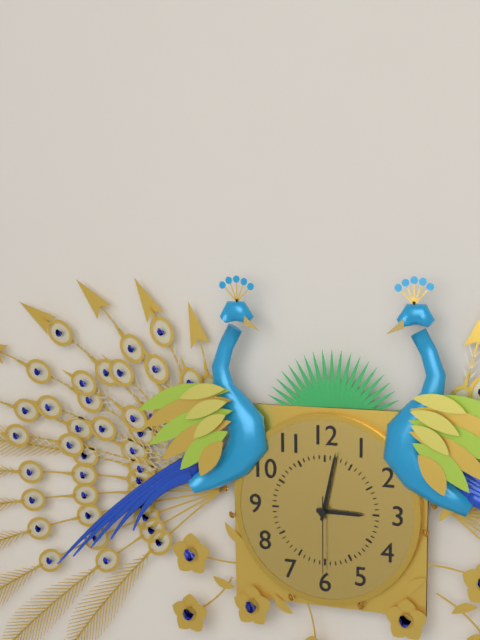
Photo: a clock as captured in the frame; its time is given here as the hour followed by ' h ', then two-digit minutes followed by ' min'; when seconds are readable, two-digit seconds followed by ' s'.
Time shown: 3 h 02 min 30 s
